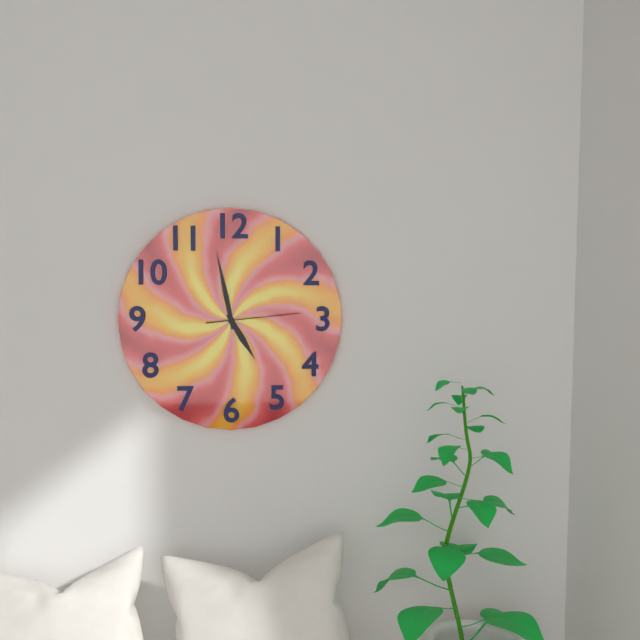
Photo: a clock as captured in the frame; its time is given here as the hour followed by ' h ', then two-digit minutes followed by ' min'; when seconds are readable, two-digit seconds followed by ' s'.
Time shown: 4 h 58 min 14 s
